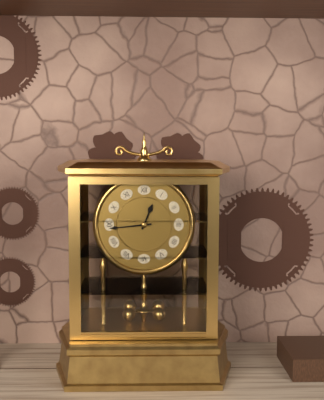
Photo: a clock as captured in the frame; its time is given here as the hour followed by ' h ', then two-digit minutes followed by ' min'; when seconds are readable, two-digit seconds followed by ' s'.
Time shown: 12 h 44 min
